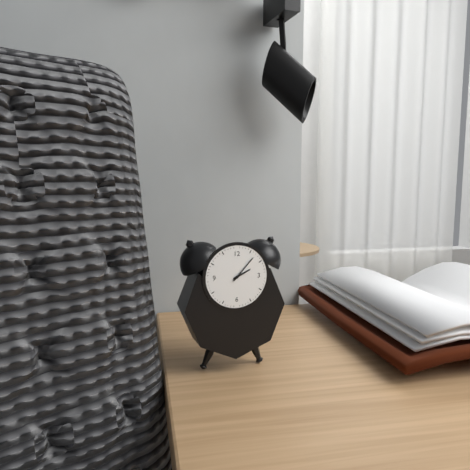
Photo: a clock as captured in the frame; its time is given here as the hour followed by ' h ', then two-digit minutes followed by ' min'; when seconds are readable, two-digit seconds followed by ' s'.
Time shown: 2 h 07 min
